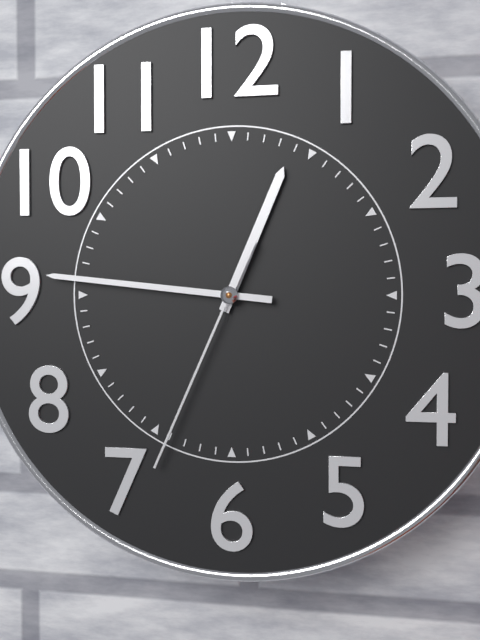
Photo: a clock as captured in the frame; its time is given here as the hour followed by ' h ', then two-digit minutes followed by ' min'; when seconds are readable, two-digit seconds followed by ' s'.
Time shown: 12 h 46 min 34 s
